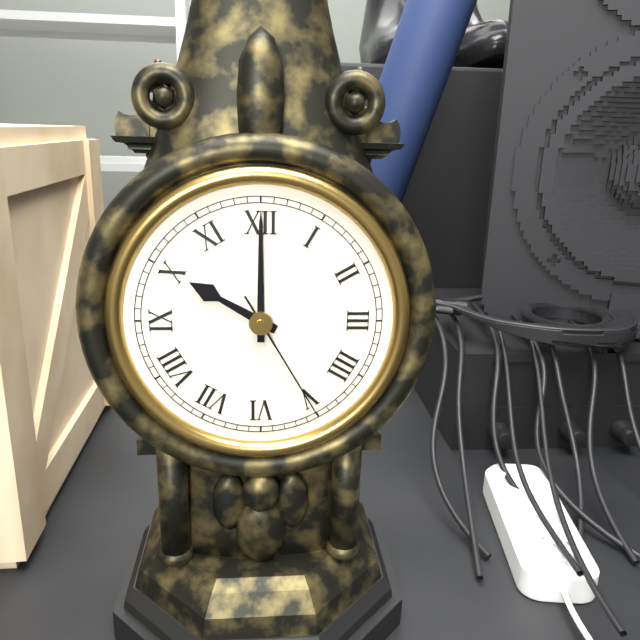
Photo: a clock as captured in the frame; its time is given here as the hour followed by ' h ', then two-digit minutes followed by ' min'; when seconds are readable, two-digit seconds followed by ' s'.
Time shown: 10 h 00 min 25 s
